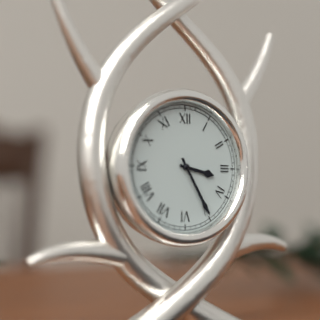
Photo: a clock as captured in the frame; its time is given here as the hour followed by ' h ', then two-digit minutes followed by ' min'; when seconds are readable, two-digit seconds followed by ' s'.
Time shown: 3 h 25 min
